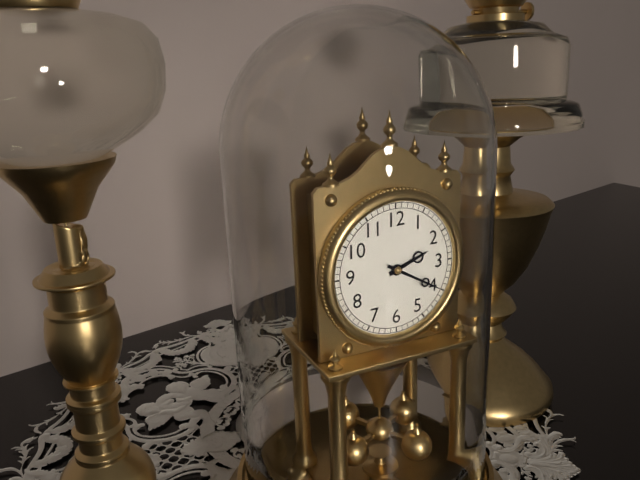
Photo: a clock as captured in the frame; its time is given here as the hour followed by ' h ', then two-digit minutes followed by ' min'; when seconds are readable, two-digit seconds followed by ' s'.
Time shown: 2 h 20 min
